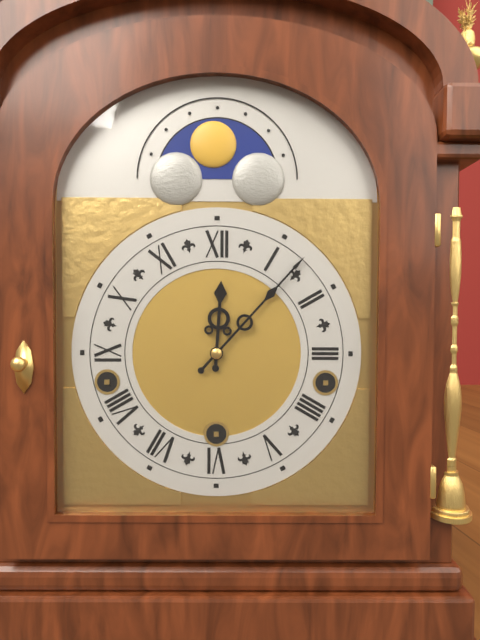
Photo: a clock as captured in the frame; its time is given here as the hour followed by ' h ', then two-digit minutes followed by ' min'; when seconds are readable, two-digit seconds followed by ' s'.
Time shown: 12 h 07 min
